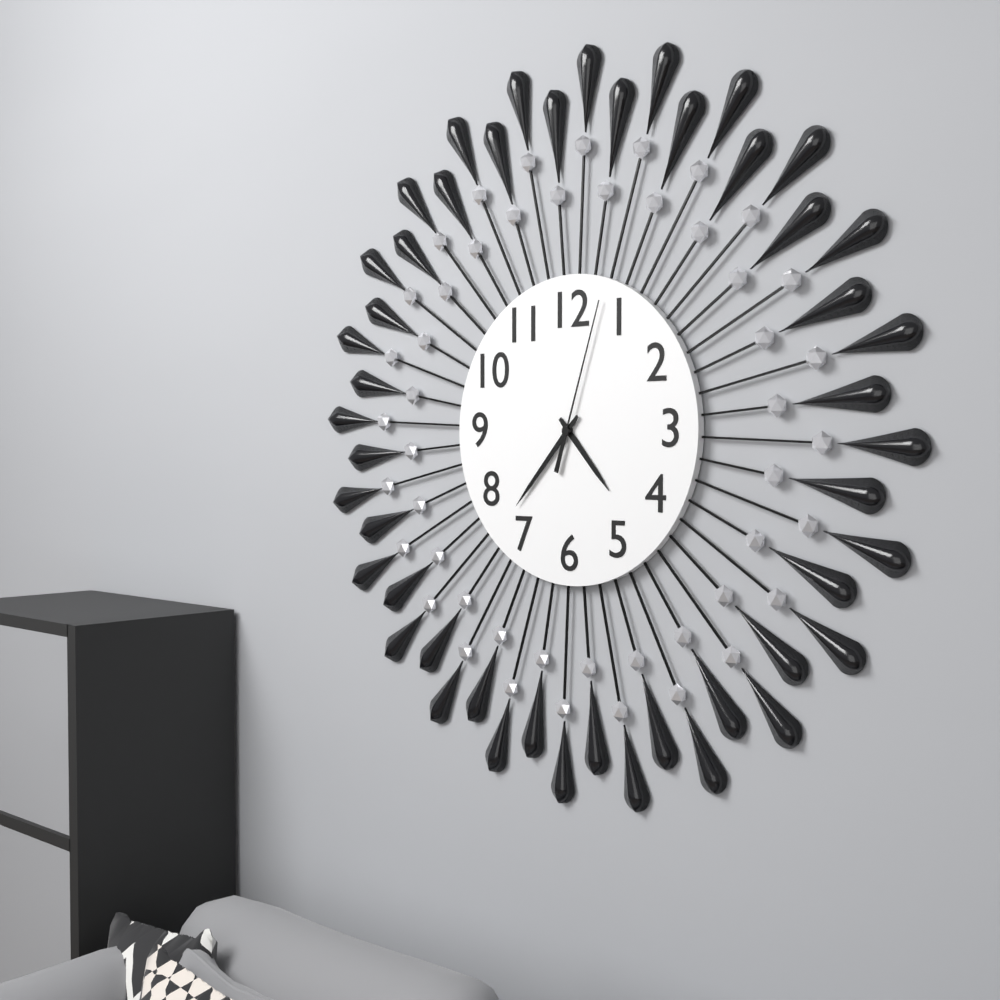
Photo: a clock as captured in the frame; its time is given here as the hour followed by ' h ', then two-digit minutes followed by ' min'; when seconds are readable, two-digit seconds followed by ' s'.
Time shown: 4 h 37 min 03 s
